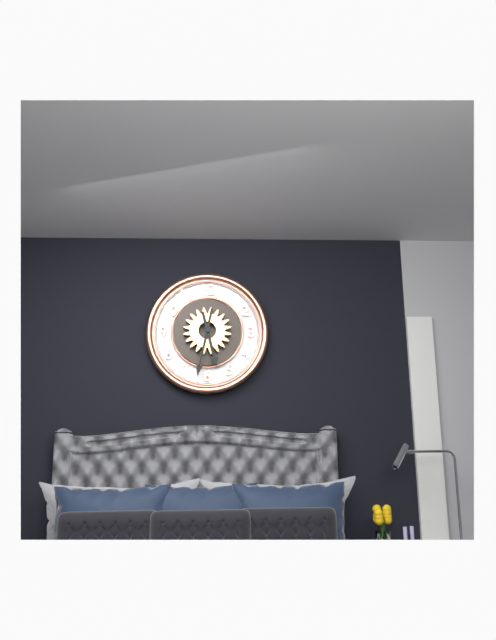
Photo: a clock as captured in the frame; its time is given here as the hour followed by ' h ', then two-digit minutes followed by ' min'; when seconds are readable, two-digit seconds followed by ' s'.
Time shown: 5 h 32 min
